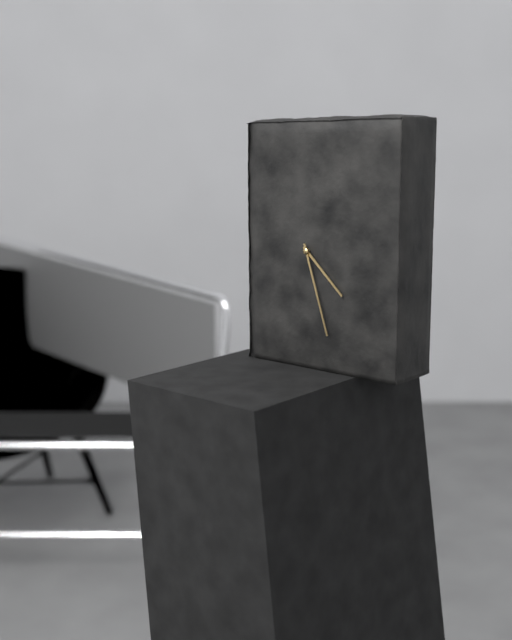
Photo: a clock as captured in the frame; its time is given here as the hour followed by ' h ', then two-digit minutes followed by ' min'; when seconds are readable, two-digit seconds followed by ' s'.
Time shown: 4 h 27 min
